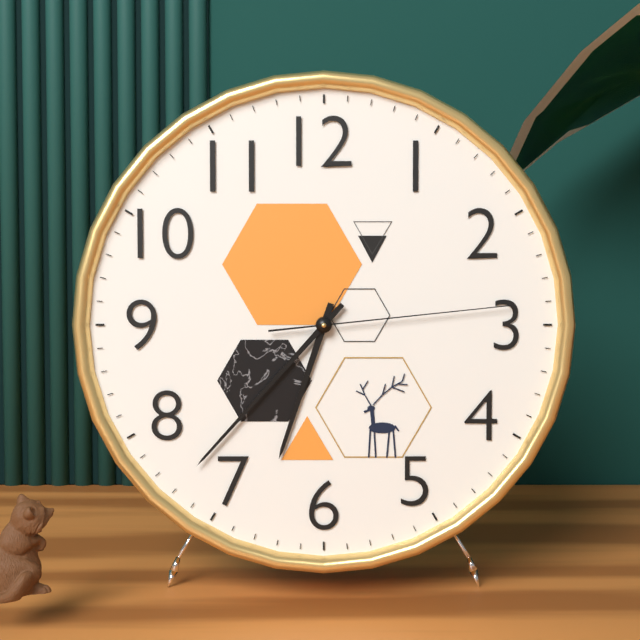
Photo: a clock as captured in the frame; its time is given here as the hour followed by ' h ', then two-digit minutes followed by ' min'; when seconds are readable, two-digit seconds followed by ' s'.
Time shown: 6 h 37 min 14 s
